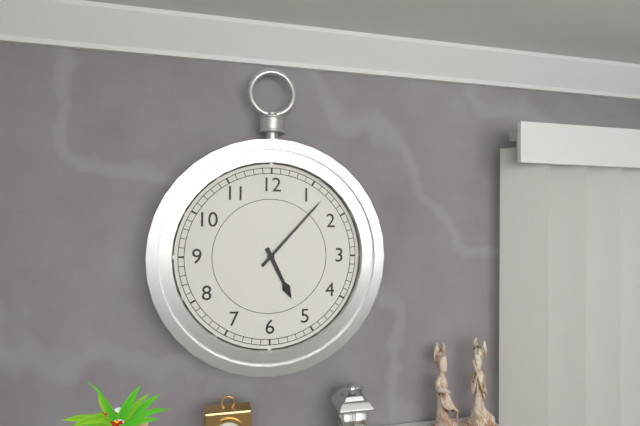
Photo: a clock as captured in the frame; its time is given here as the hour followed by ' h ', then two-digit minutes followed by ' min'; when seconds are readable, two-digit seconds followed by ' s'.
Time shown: 5 h 07 min
